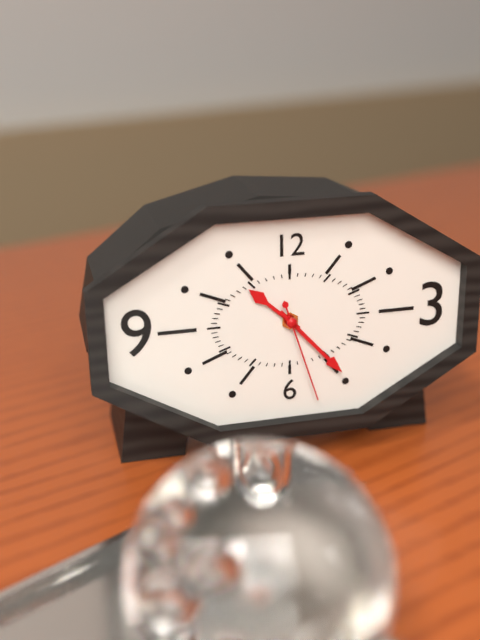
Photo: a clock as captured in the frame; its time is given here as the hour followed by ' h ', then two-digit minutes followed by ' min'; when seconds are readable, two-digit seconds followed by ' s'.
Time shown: 10 h 23 min 27 s
